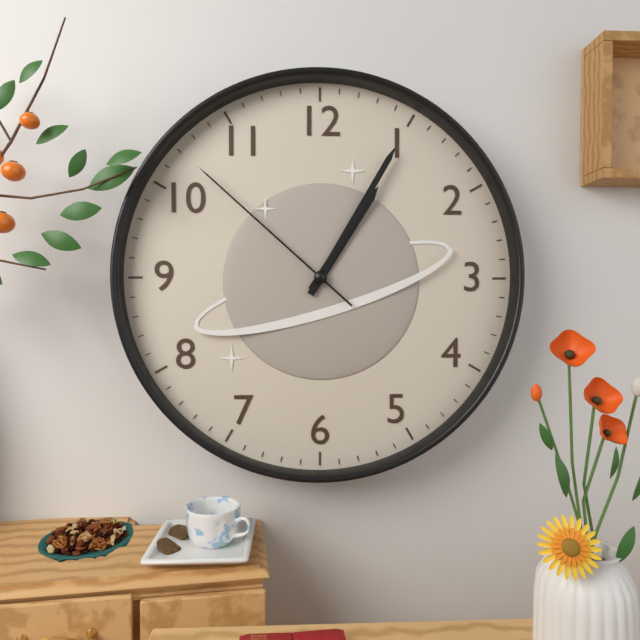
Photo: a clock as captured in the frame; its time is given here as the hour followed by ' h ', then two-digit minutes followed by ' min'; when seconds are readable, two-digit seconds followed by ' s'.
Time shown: 1 h 05 min 52 s
